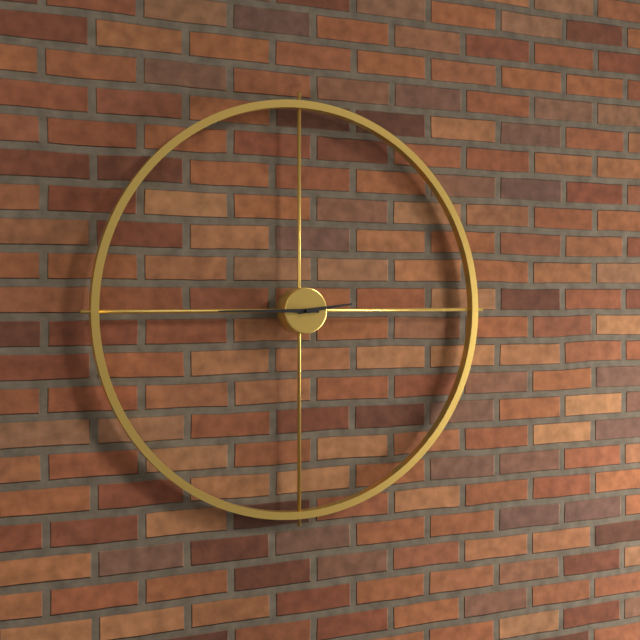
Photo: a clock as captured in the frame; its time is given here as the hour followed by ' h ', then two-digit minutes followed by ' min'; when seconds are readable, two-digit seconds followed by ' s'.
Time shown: 2 h 45 min
